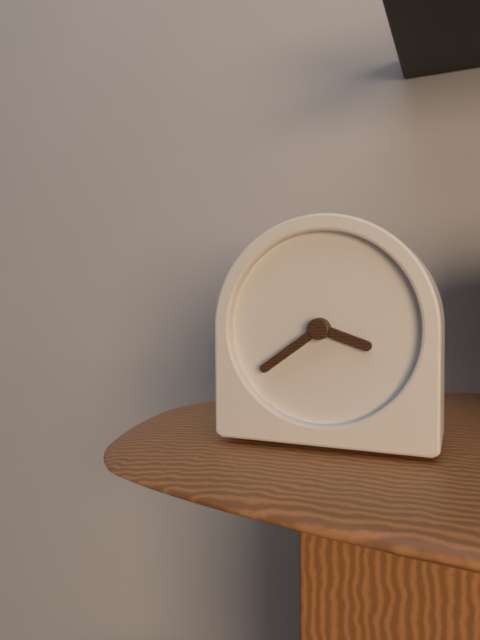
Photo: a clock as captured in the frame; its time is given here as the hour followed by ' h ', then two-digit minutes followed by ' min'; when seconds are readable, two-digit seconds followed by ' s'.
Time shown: 3 h 39 min
